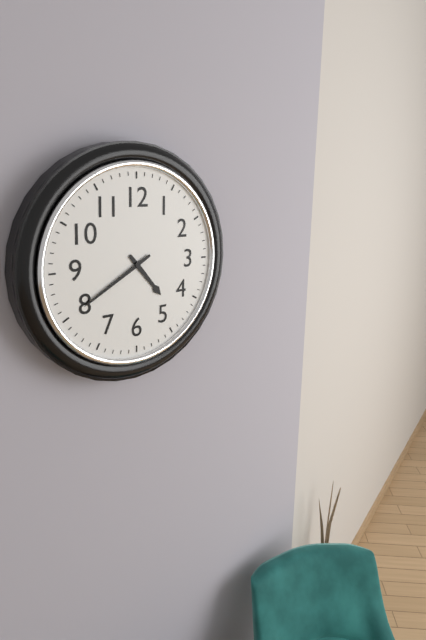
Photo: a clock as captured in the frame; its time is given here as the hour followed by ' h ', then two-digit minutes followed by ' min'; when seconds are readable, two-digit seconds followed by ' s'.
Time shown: 4 h 40 min
